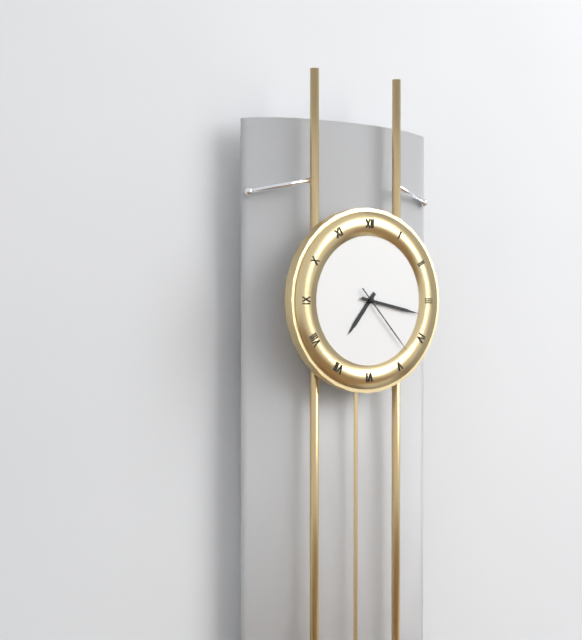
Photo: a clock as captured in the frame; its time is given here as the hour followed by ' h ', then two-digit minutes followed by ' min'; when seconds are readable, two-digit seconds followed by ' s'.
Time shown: 7 h 17 min 23 s
